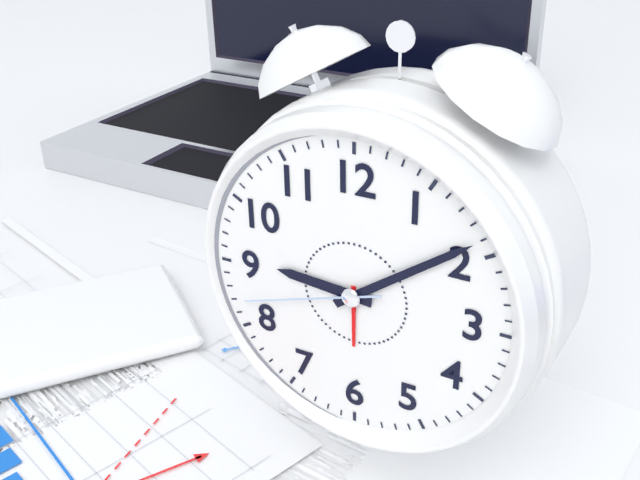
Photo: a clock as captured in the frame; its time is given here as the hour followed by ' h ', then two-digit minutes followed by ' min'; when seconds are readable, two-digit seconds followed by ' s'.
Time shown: 9 h 09 min 42 s
